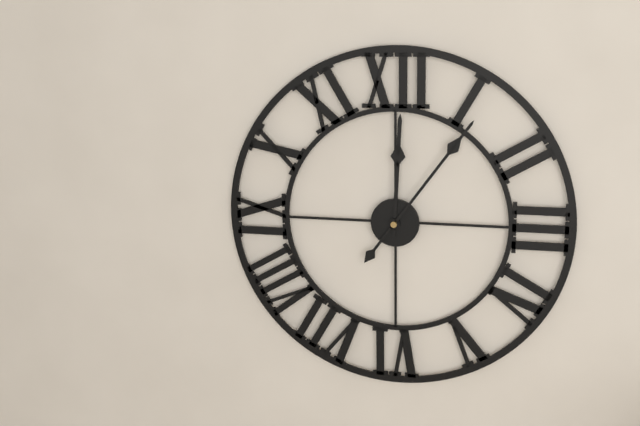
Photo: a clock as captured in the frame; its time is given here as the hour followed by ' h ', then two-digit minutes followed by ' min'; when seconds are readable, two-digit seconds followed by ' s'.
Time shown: 12 h 06 min
